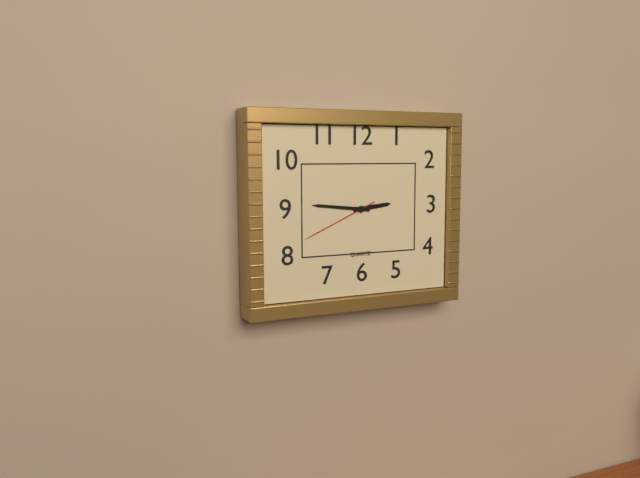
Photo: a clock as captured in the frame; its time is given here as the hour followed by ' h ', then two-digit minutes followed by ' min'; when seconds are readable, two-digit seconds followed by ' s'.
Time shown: 2 h 46 min 41 s
